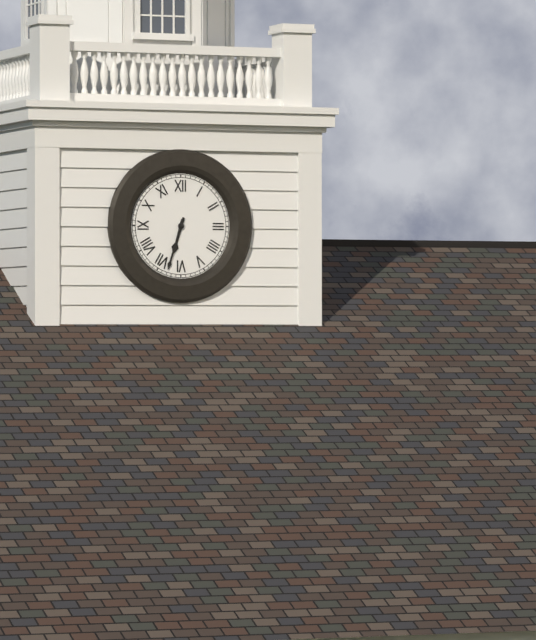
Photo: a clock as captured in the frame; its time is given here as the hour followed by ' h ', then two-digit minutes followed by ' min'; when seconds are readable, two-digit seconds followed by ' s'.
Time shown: 6 h 33 min
